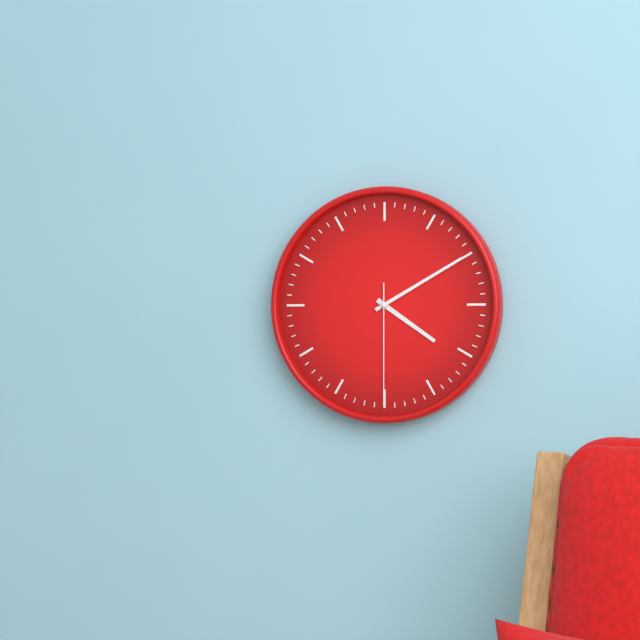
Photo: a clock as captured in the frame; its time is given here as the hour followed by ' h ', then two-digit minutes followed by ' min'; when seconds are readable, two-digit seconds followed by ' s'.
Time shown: 4 h 10 min 30 s
